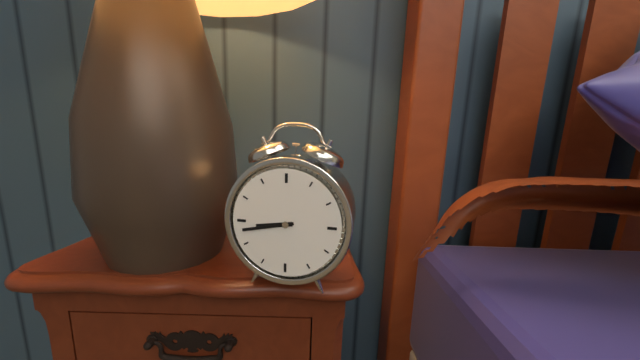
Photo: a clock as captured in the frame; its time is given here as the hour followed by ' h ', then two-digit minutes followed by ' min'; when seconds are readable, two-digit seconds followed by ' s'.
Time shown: 8 h 43 min
